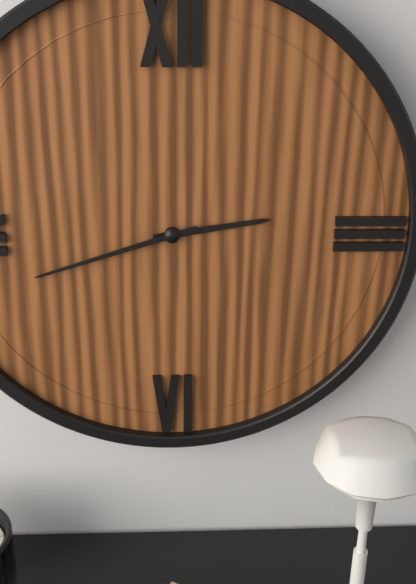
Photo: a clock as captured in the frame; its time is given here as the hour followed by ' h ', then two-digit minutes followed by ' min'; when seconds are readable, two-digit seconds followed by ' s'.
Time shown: 2 h 42 min
